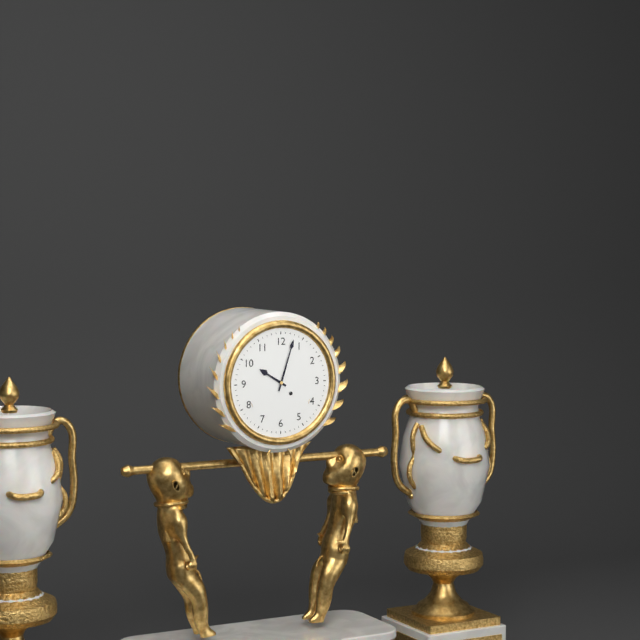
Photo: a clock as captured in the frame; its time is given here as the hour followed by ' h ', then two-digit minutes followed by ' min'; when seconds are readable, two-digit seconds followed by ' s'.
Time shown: 10 h 03 min
